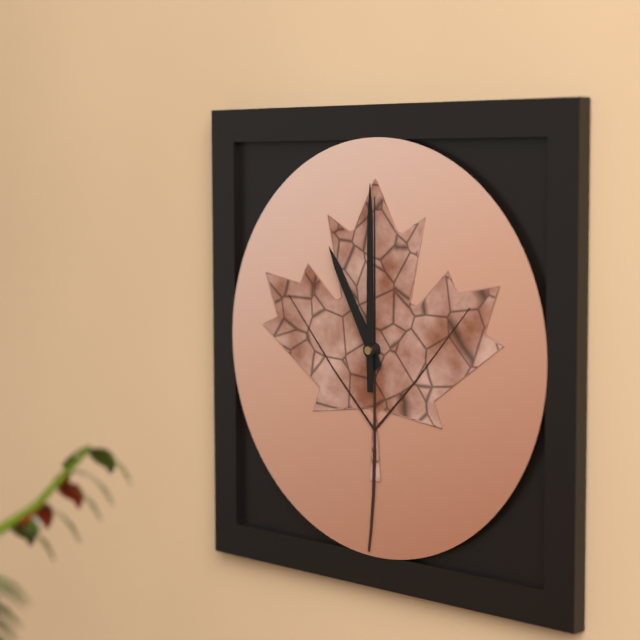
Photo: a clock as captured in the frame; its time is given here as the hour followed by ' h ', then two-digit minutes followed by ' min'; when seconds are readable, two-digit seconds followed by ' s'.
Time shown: 11 h 00 min
